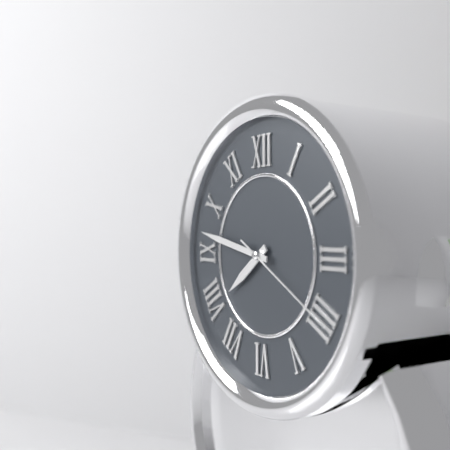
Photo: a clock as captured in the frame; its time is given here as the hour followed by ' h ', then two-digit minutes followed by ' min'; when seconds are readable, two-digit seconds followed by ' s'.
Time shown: 7 h 47 min 20 s
